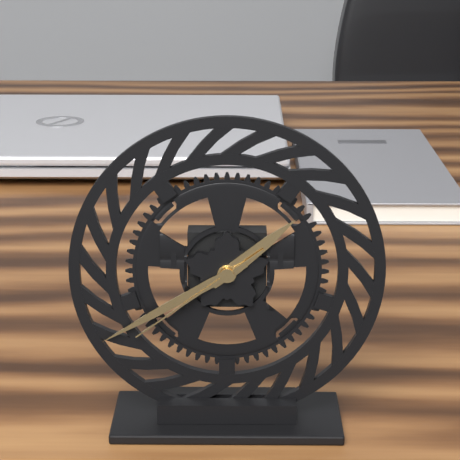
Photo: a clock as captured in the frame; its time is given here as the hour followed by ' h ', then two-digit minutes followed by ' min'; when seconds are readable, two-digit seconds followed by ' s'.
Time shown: 1 h 40 min 39 s
